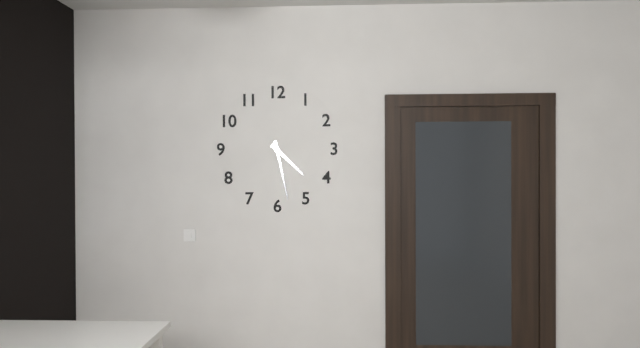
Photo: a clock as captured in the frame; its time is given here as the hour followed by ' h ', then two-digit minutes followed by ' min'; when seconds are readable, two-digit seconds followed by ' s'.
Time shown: 4 h 28 min
